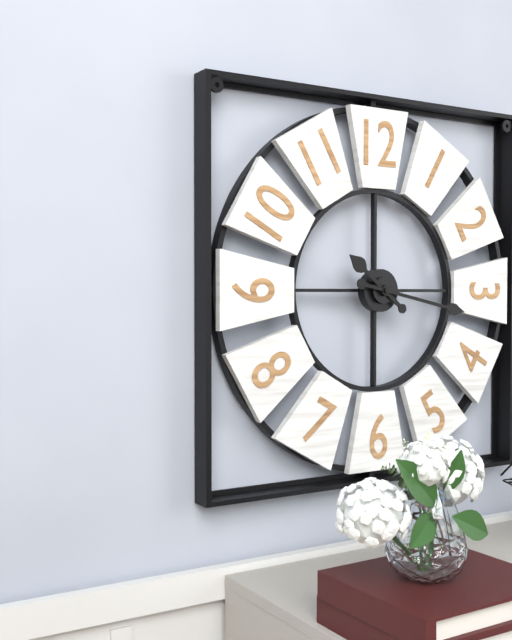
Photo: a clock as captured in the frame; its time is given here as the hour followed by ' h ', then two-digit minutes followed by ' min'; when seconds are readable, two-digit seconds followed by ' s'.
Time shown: 10 h 17 min
